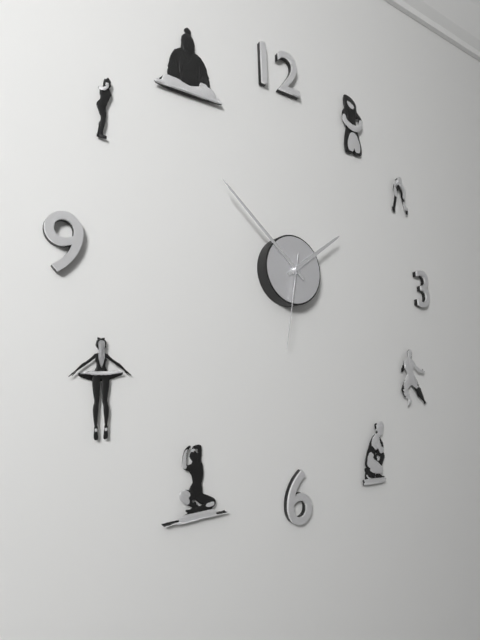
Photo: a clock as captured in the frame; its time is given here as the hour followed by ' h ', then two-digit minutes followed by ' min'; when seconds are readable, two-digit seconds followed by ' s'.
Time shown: 1 h 52 min 32 s
